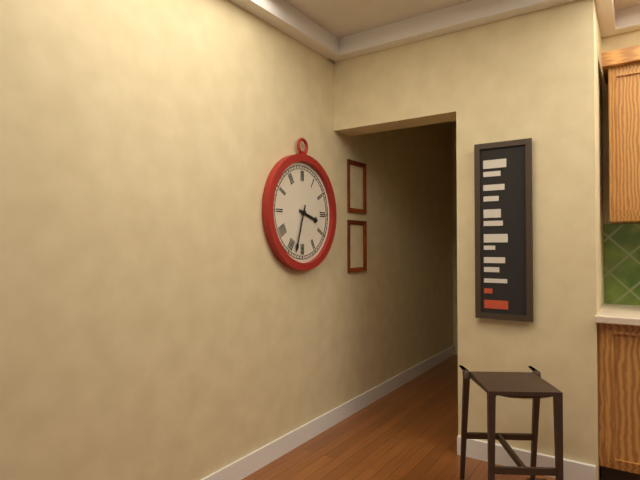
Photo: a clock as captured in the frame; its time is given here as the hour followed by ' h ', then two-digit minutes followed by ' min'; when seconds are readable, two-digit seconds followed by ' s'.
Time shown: 3 h 33 min
